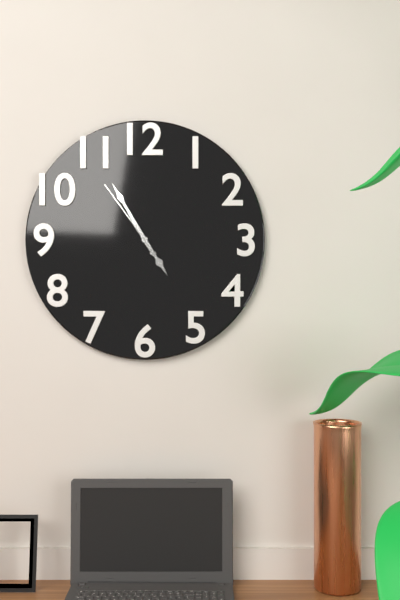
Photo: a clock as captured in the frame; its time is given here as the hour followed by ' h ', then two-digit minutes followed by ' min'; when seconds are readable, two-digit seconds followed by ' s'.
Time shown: 4 h 55 min 54 s
